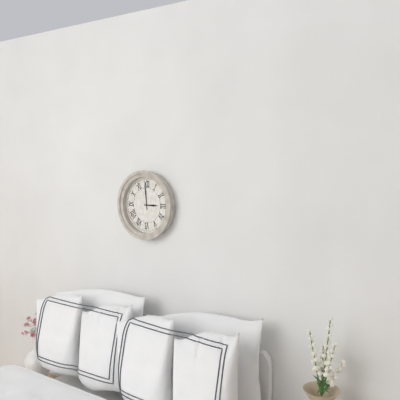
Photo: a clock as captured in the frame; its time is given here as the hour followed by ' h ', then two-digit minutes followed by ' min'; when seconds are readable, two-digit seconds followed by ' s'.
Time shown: 2 h 59 min
